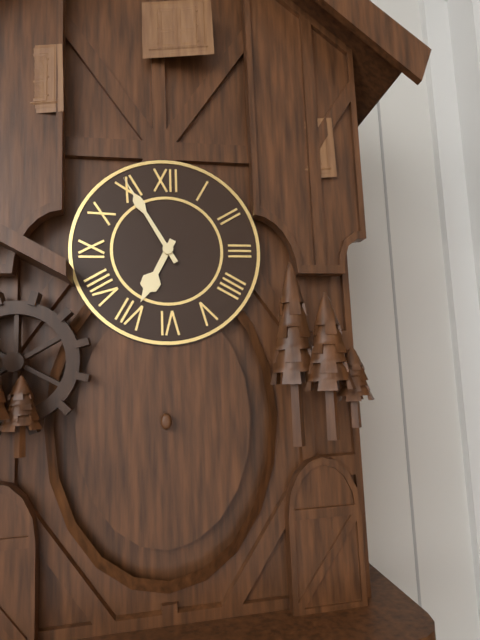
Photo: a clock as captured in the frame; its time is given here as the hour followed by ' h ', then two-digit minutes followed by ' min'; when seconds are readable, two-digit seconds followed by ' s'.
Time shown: 6 h 55 min
